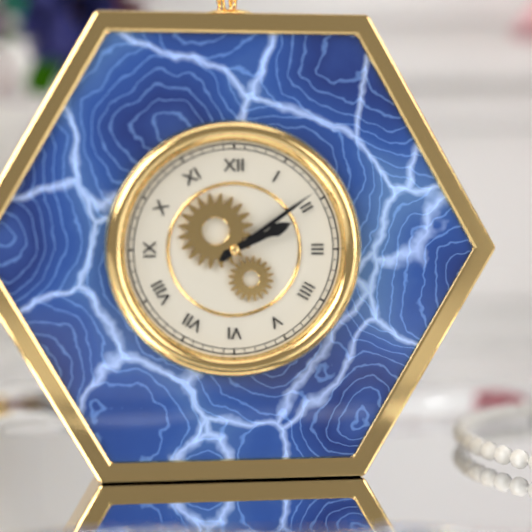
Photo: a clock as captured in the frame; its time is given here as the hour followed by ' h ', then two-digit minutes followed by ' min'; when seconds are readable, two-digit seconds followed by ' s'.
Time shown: 2 h 09 min
